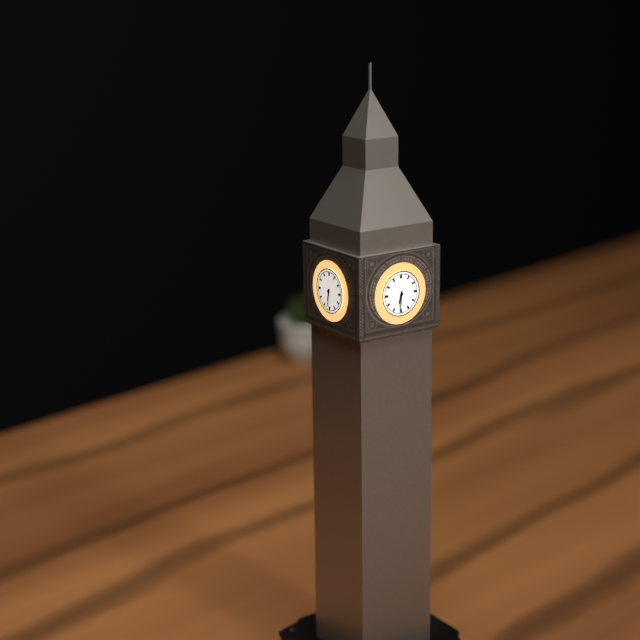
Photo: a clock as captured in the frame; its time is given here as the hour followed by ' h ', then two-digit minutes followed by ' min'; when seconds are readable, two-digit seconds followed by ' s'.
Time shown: 6 h 31 min
